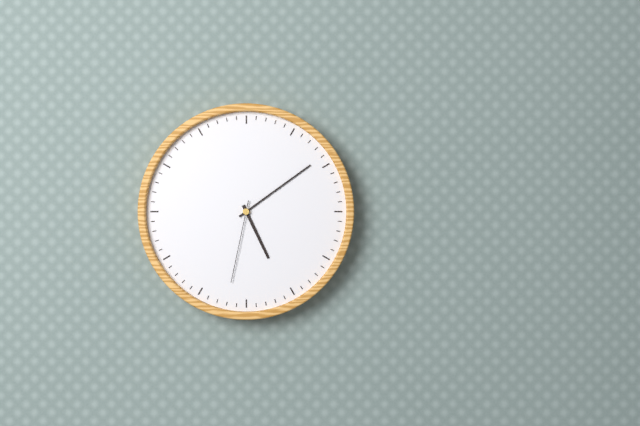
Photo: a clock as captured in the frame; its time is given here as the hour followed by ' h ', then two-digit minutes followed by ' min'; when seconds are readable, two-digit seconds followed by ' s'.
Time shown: 5 h 09 min 32 s
